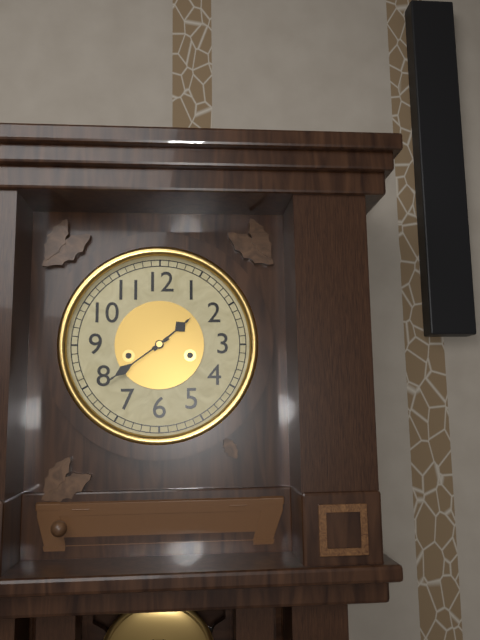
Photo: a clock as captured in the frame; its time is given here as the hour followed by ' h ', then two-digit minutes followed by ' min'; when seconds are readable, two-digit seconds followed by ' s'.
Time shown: 1 h 39 min
